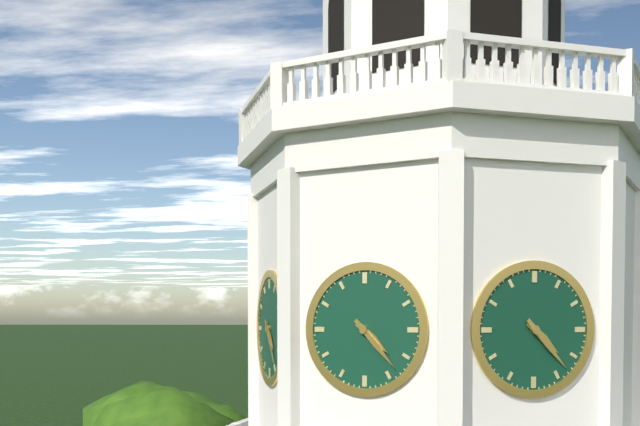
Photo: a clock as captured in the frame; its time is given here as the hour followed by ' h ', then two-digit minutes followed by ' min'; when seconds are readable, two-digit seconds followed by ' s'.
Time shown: 4 h 23 min
